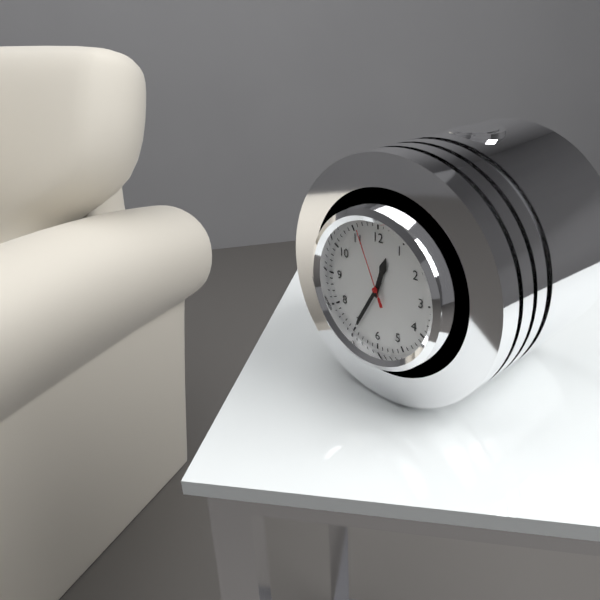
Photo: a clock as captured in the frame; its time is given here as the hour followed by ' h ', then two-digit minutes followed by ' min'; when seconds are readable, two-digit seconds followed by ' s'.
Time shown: 12 h 35 min 56 s
